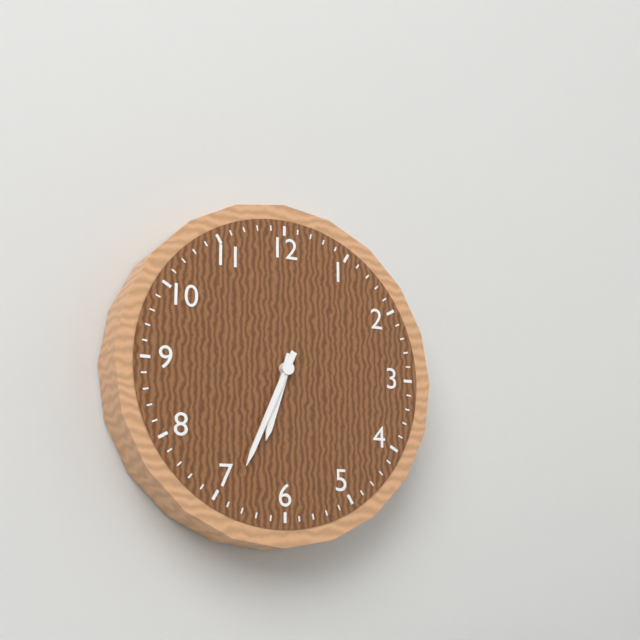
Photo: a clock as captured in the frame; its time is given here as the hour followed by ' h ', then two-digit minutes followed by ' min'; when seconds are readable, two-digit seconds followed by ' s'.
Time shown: 6 h 34 min
